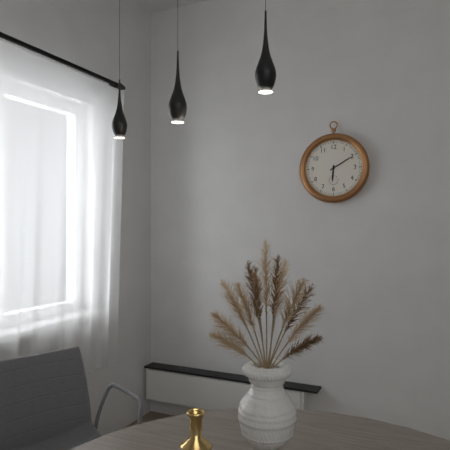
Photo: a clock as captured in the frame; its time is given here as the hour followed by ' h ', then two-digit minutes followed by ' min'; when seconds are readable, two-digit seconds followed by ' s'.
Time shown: 6 h 10 min
